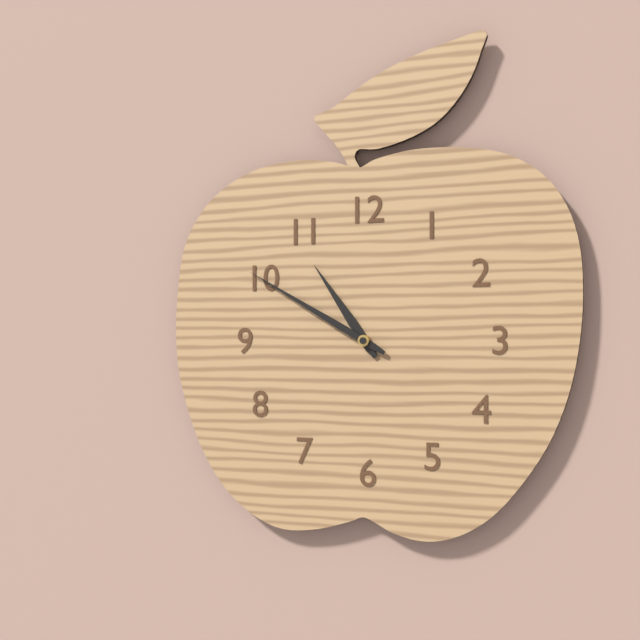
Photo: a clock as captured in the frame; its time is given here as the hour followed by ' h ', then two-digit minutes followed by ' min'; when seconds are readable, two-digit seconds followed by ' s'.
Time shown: 10 h 50 min
